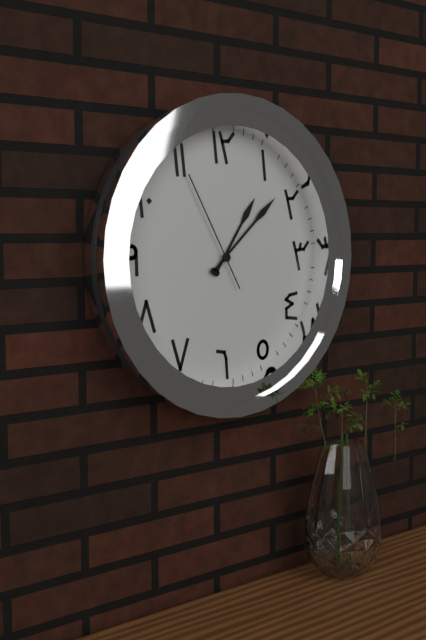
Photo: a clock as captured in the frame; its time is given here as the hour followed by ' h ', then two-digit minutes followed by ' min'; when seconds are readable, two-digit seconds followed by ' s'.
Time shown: 1 h 08 min 55 s
